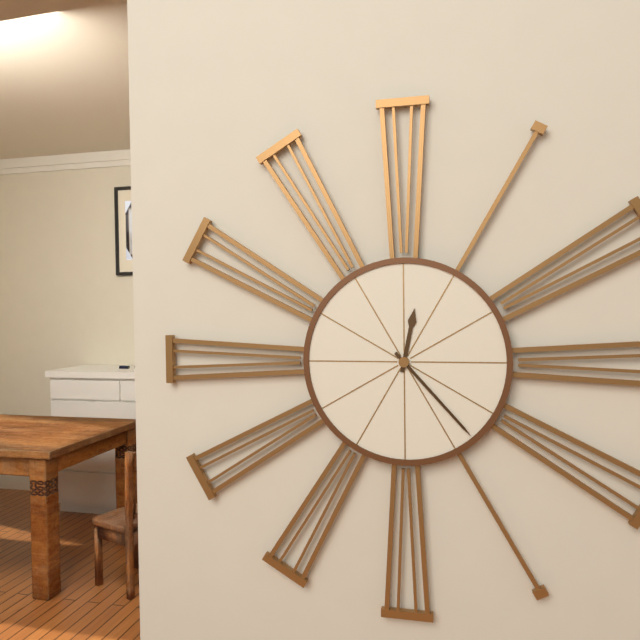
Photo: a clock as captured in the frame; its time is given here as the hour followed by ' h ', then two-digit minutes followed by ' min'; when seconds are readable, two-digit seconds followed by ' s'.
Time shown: 12 h 23 min
